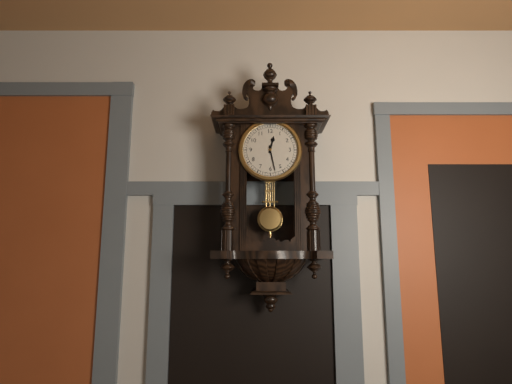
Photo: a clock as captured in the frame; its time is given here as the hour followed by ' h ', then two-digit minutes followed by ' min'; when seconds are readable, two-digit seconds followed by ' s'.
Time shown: 12 h 28 min
